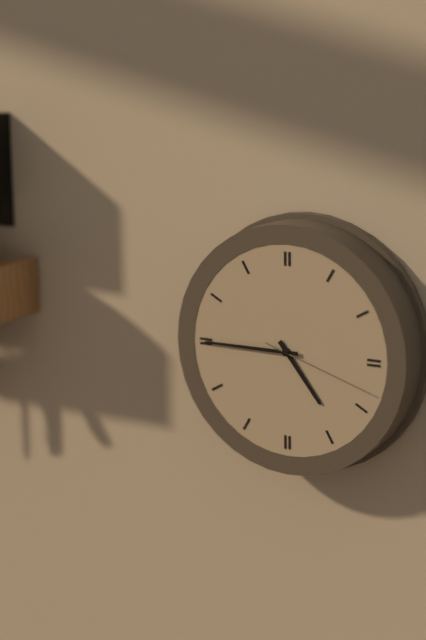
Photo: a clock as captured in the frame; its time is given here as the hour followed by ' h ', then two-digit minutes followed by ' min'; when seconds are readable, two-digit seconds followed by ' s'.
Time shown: 4 h 45 min 18 s
